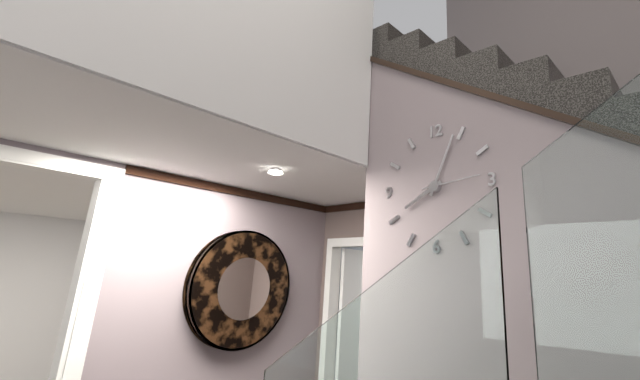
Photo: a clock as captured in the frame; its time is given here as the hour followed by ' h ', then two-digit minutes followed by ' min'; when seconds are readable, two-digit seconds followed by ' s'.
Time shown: 8 h 04 min 14 s
